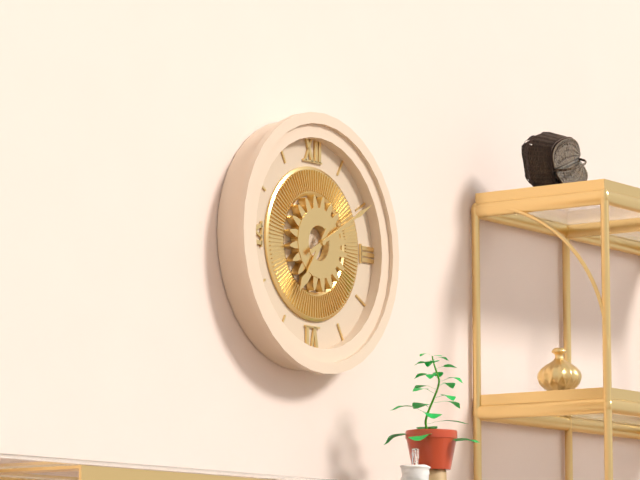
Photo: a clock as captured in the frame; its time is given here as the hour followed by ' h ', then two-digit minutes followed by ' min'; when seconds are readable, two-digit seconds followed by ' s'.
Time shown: 7 h 10 min
